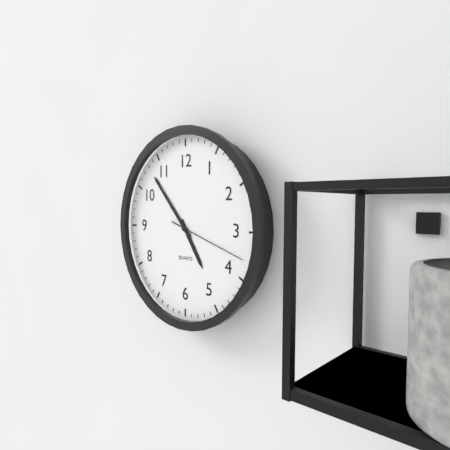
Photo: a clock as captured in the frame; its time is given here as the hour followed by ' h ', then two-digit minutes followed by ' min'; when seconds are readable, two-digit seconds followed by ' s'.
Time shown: 4 h 53 min 18 s
